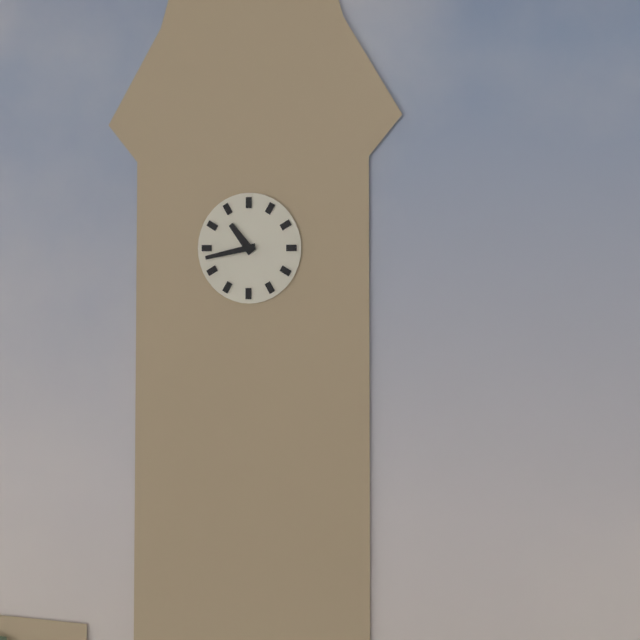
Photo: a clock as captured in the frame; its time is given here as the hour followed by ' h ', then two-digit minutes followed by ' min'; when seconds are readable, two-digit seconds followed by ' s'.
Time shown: 10 h 43 min
